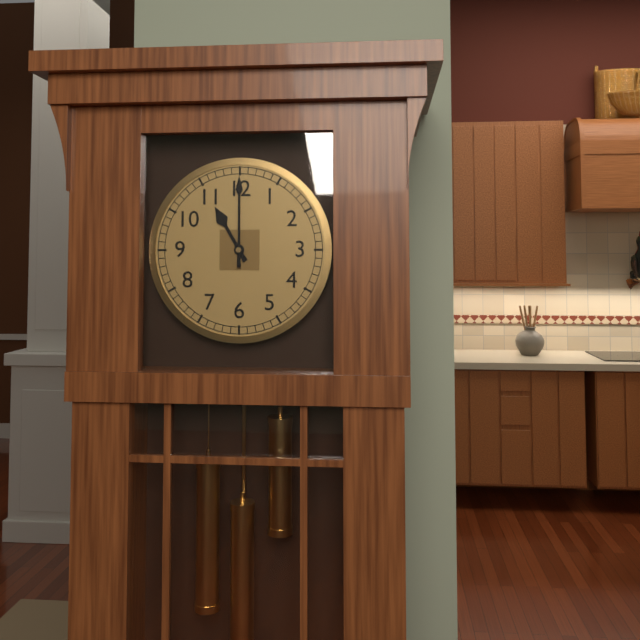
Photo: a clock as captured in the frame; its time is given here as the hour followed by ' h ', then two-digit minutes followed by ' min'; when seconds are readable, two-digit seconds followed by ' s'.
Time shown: 11 h 00 min
